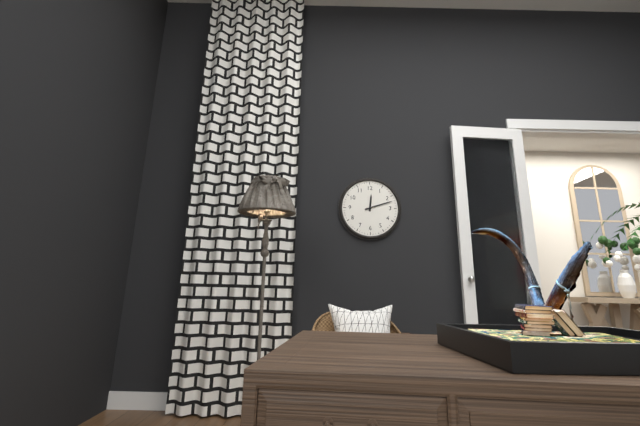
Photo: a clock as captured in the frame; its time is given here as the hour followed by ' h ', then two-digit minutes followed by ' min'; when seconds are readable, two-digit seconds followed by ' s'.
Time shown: 12 h 12 min
